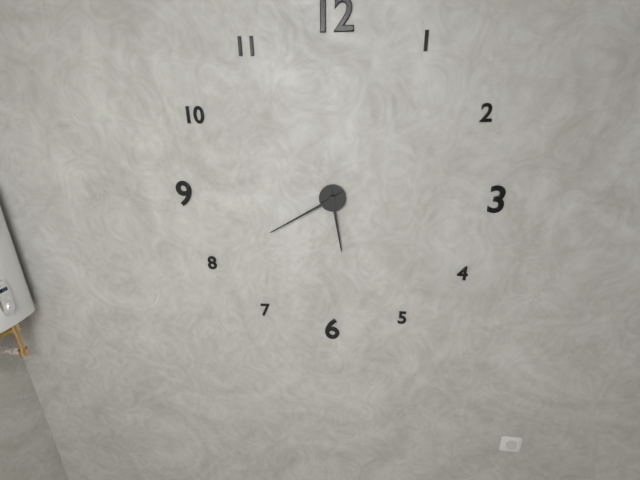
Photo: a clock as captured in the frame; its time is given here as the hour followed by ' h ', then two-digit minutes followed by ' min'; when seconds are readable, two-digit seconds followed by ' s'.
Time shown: 5 h 40 min
